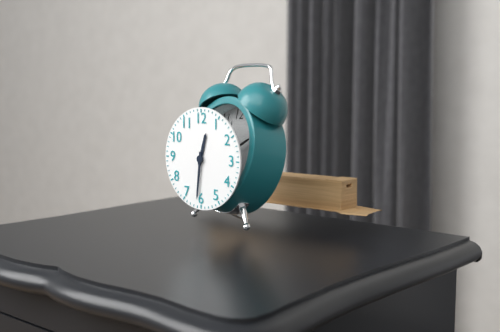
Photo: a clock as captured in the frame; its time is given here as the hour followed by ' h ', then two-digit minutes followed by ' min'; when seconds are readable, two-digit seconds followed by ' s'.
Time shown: 12 h 31 min
